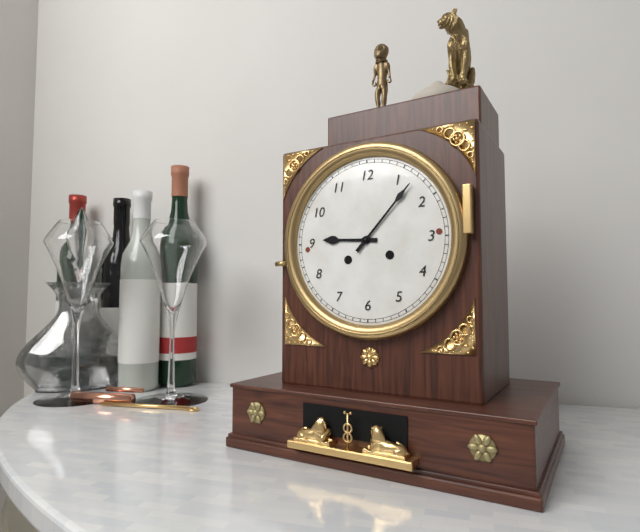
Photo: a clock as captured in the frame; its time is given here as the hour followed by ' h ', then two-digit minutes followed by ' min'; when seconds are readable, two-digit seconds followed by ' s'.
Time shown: 9 h 07 min
